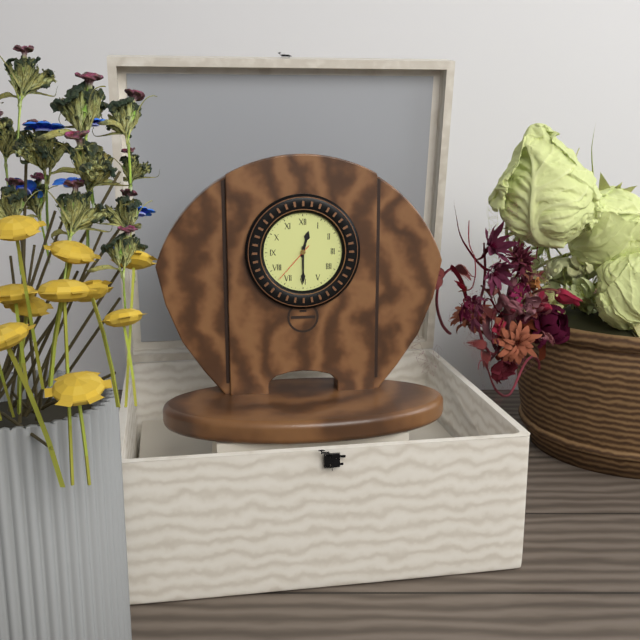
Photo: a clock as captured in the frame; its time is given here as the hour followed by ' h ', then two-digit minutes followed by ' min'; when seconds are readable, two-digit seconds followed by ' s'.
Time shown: 12 h 30 min
